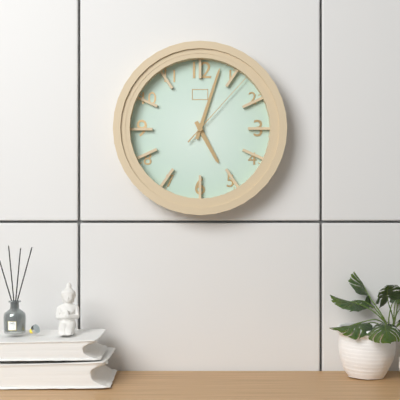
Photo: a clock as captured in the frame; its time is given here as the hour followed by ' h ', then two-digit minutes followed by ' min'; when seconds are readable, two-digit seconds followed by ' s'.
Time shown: 5 h 03 min 07 s
